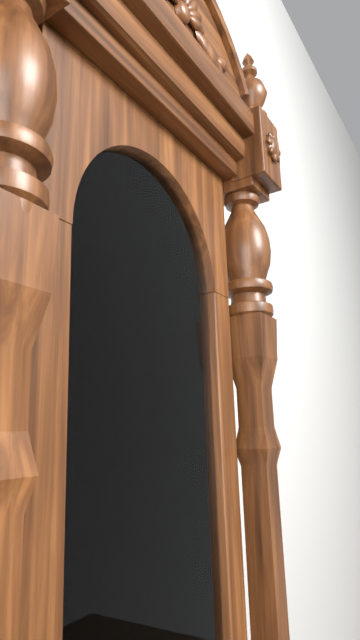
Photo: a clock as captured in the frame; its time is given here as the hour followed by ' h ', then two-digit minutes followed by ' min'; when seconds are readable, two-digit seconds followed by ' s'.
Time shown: 10 h 49 min
